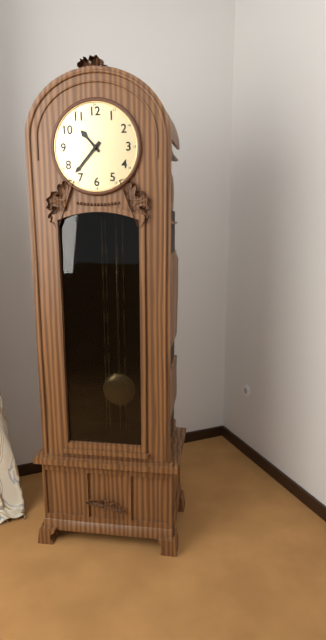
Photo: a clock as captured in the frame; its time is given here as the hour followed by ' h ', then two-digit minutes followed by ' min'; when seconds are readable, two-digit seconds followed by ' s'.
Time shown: 10 h 37 min
